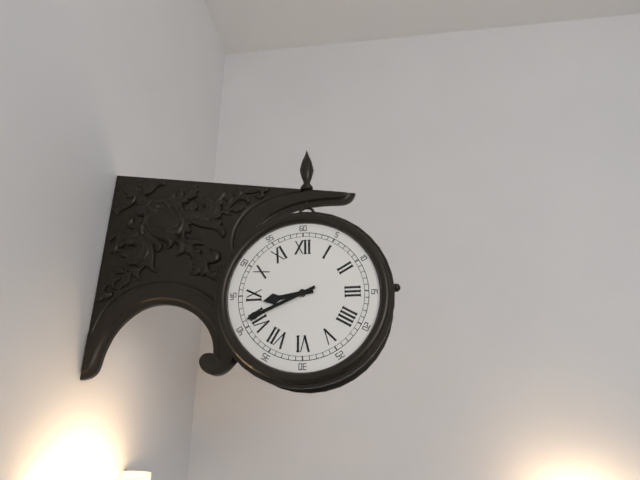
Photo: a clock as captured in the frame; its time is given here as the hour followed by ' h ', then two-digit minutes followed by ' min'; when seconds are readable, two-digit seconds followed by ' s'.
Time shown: 8 h 41 min
